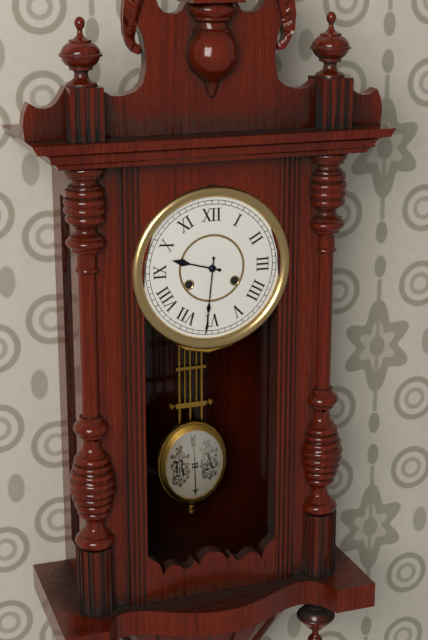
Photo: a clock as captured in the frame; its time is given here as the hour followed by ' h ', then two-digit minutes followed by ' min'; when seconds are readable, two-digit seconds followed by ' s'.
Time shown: 9 h 31 min
